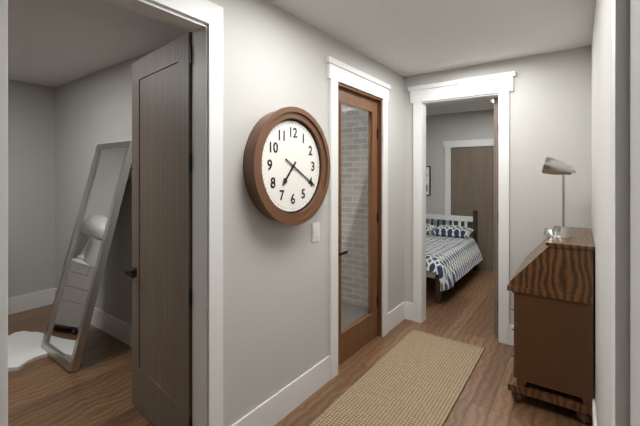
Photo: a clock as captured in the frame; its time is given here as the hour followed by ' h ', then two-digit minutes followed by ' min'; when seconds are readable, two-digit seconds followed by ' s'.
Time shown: 7 h 20 min
